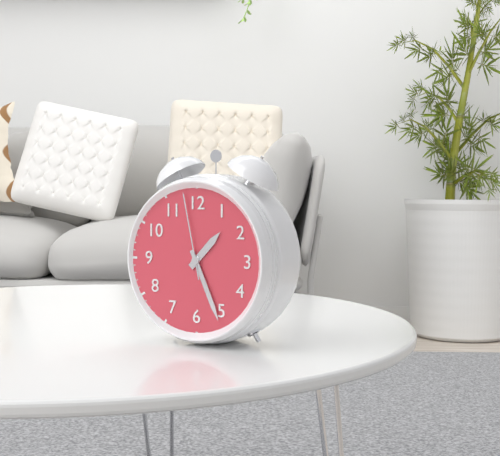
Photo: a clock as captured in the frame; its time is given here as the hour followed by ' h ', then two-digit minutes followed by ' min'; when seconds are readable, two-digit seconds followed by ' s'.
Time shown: 1 h 26 min 58 s
